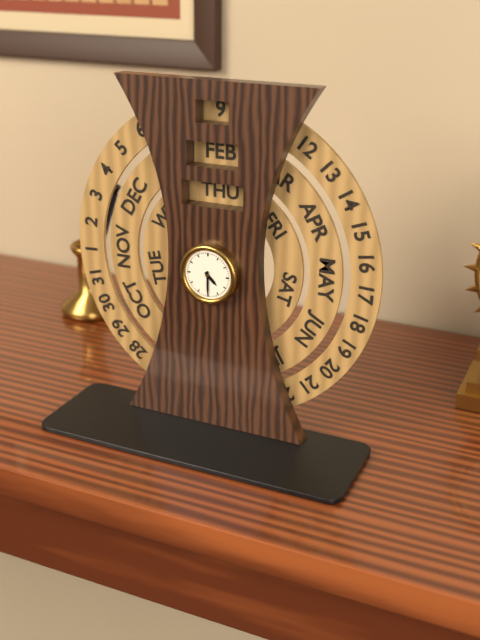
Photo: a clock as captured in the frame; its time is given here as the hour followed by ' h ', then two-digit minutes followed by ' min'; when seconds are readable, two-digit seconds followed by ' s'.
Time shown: 4 h 30 min
